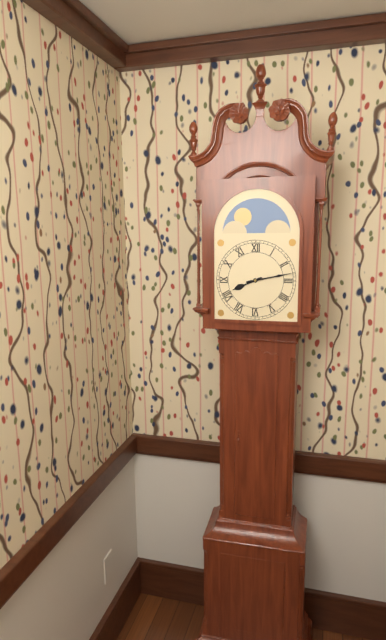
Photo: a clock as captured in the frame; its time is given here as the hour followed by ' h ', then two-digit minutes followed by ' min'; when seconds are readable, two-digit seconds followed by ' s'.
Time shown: 8 h 13 min
